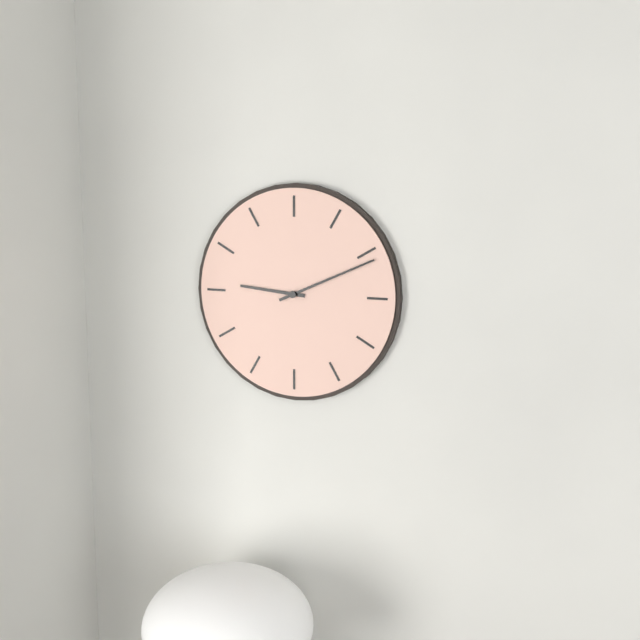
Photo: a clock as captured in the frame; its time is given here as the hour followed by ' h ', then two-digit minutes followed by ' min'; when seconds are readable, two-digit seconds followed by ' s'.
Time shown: 9 h 11 min
